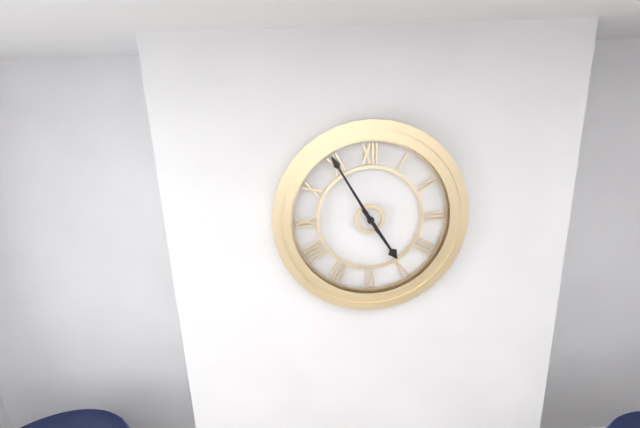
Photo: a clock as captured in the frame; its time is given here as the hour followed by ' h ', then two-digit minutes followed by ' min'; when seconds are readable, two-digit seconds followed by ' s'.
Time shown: 4 h 55 min
